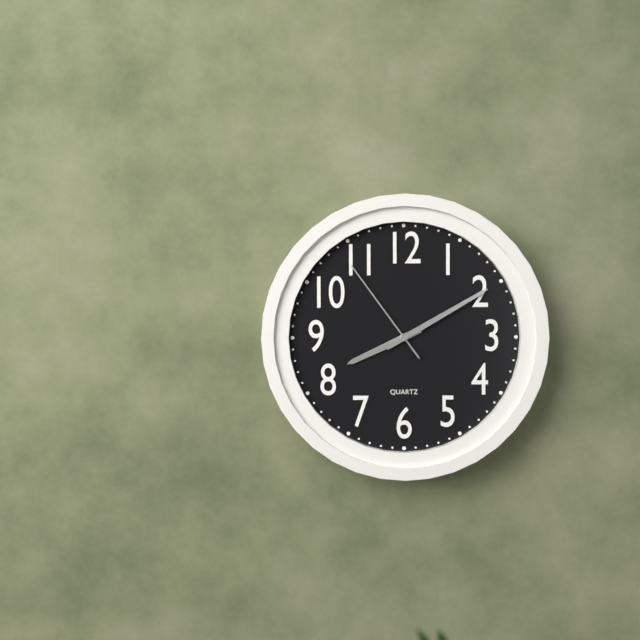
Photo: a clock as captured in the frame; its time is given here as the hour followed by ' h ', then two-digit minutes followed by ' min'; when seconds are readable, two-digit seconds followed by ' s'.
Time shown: 8 h 10 min 54 s
